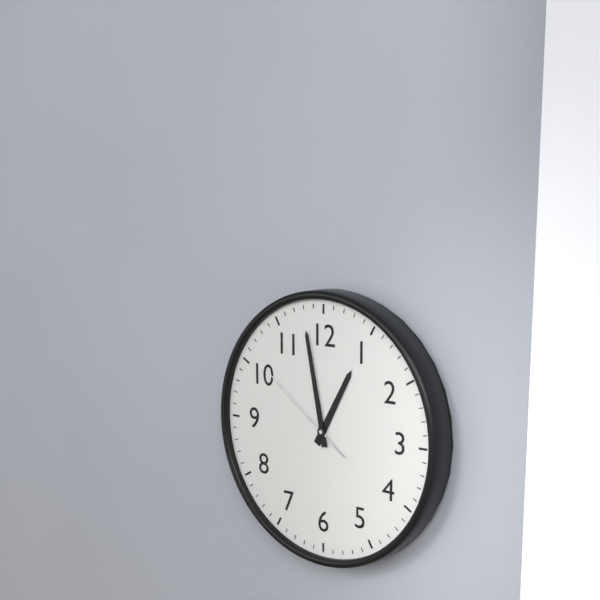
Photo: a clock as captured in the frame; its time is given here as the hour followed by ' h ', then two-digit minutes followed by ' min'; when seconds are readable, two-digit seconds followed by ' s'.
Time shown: 12 h 58 min 51 s
